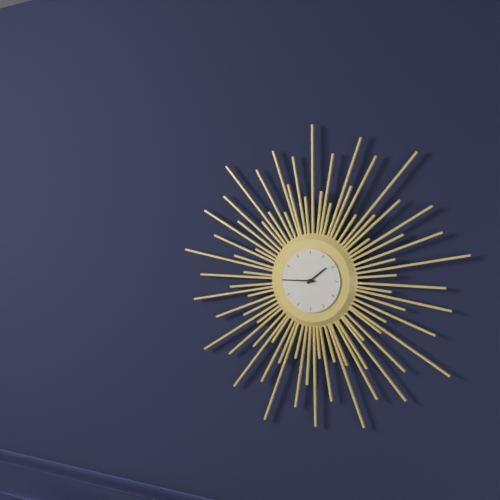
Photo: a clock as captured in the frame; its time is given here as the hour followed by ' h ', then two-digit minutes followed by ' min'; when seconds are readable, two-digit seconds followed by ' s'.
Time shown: 1 h 45 min
